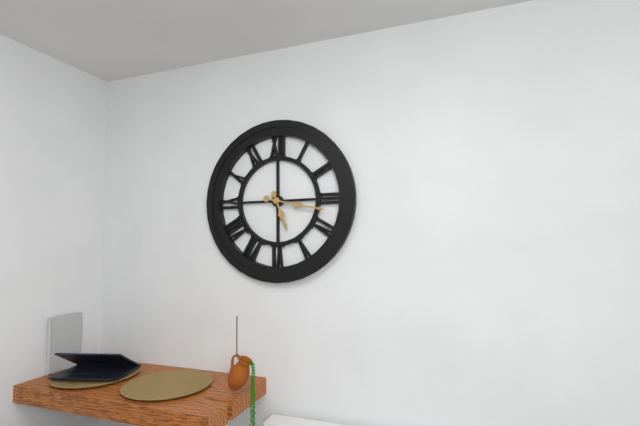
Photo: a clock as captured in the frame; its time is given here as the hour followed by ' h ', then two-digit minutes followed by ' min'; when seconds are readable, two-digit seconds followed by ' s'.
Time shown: 5 h 17 min
